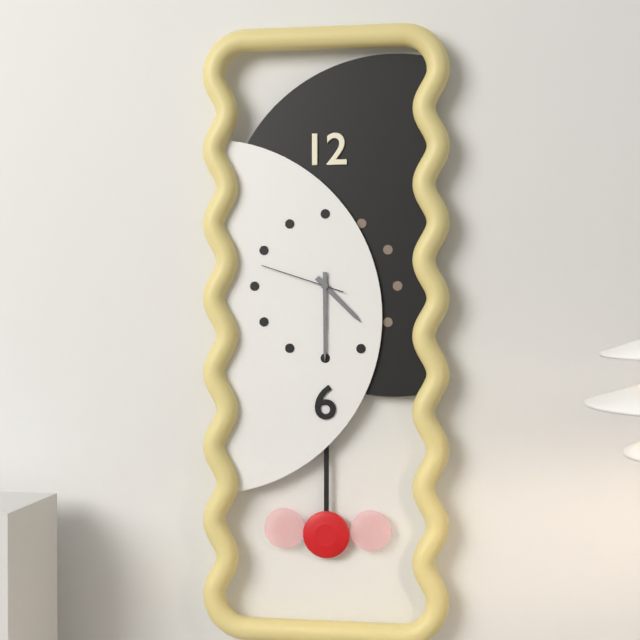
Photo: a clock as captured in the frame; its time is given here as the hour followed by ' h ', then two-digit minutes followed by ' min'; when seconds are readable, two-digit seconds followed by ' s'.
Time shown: 4 h 30 min 48 s
